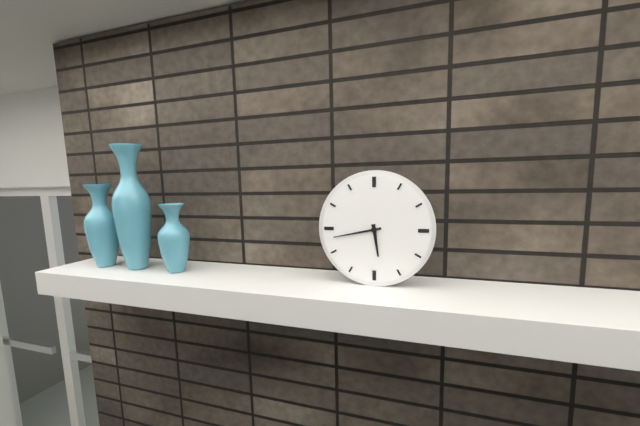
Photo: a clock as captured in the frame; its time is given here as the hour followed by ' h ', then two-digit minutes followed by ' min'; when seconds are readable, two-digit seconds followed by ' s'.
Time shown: 5 h 43 min
